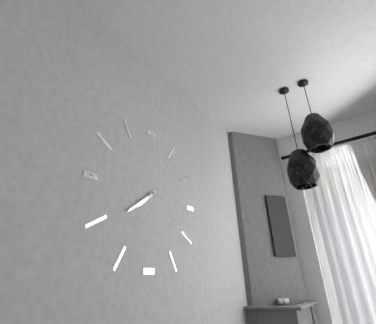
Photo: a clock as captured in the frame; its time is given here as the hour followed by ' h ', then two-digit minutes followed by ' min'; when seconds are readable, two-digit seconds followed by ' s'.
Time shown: 7 h 39 min
